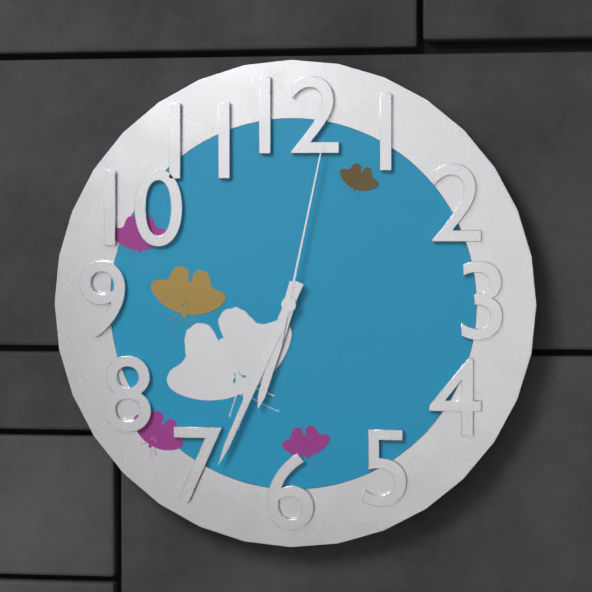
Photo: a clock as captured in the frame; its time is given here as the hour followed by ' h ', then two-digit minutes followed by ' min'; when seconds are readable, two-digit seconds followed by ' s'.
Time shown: 6 h 34 min 02 s
